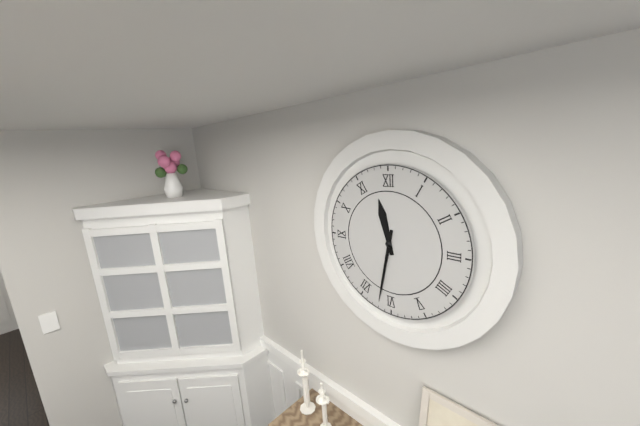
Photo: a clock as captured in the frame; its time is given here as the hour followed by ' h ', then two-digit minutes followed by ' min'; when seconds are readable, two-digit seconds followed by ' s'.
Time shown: 11 h 32 min
